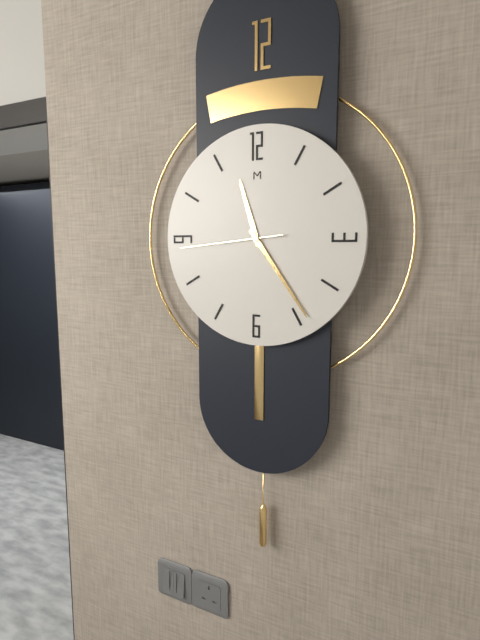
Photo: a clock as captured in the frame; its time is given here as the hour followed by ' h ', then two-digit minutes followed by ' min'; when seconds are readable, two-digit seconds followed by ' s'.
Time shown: 11 h 24 min 44 s
